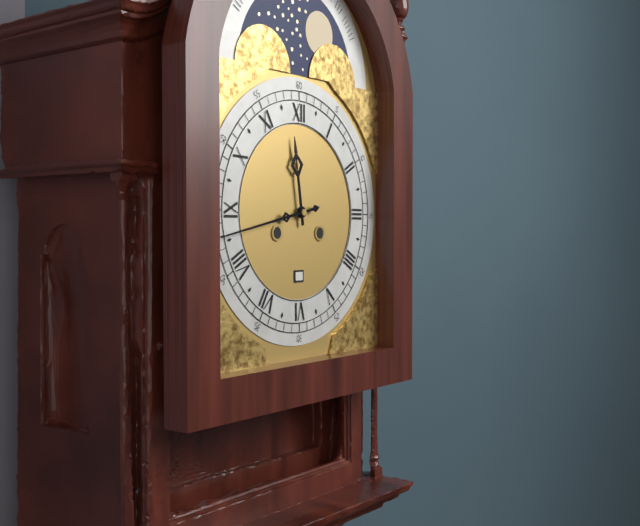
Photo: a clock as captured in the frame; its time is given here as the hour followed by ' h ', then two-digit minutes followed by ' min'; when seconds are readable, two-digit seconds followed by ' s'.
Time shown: 11 h 43 min
